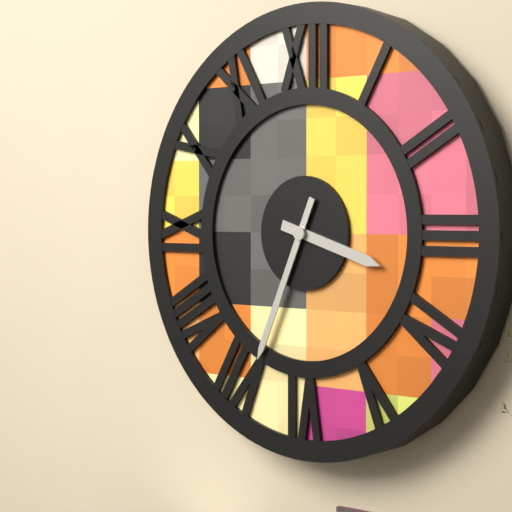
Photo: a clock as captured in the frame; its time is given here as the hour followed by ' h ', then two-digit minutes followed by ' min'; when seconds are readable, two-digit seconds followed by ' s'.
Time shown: 3 h 34 min
